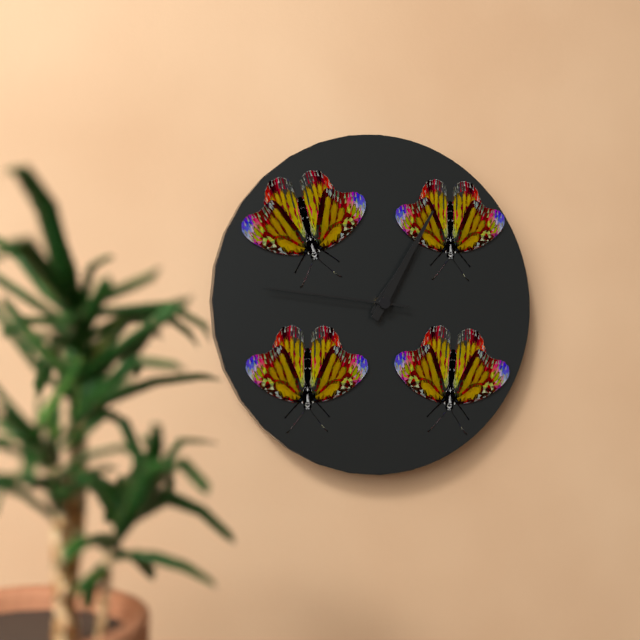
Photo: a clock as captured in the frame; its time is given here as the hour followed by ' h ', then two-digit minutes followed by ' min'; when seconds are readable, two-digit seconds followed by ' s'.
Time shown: 1 h 05 min 46 s
